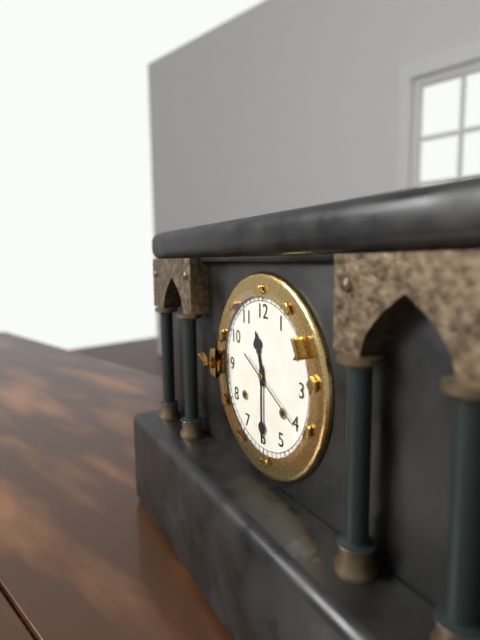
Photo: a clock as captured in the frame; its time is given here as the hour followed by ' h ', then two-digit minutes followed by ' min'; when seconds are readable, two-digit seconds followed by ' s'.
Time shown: 11 h 30 min 20 s
